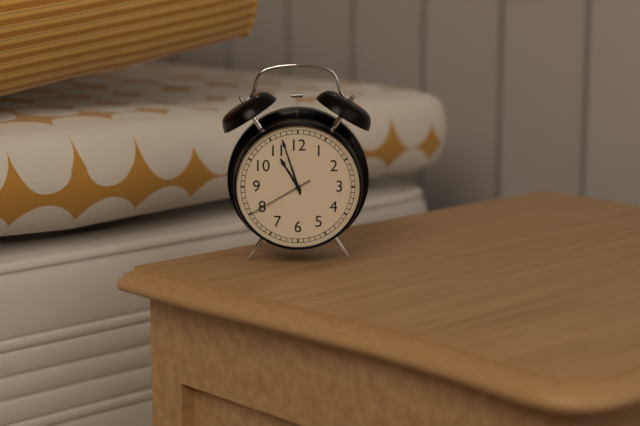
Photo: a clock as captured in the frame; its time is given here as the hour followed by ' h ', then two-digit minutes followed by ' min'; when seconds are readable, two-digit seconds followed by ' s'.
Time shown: 10 h 57 min 40 s
